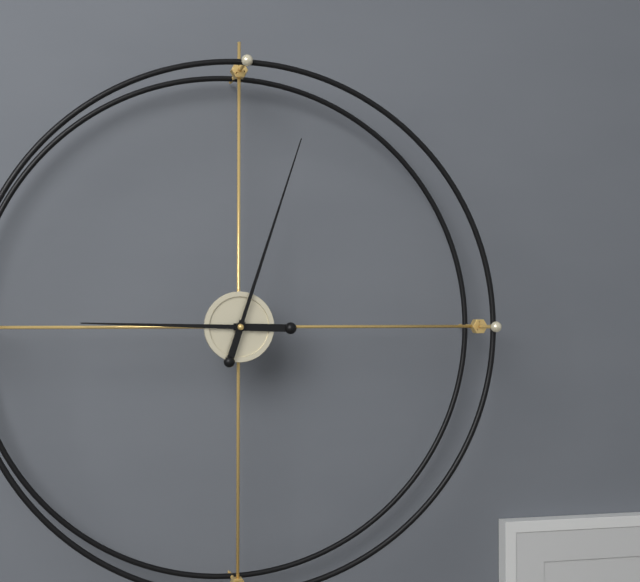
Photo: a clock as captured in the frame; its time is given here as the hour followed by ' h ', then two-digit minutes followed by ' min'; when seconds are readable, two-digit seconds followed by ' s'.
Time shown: 9 h 03 min
